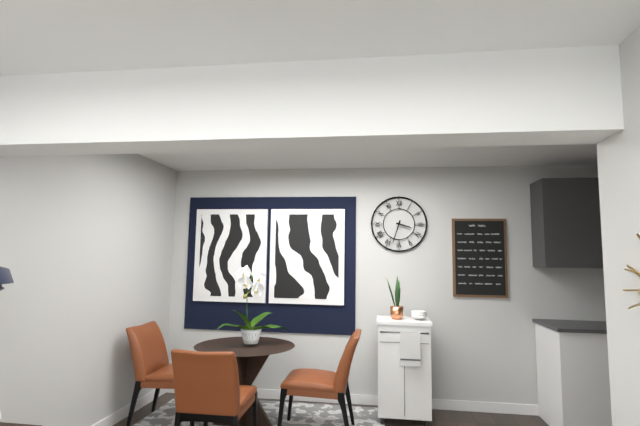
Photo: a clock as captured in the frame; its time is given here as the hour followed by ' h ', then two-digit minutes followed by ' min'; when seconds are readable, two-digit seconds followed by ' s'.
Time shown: 3 h 33 min
